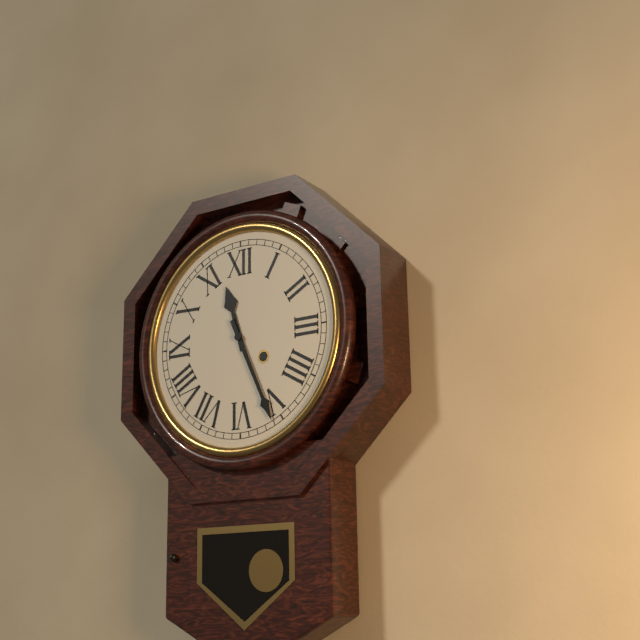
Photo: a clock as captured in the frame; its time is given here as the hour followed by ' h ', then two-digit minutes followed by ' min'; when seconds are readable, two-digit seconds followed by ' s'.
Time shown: 11 h 26 min
